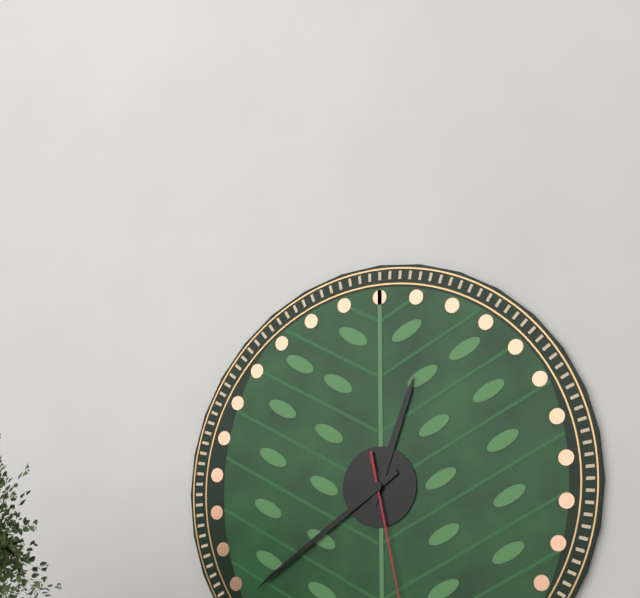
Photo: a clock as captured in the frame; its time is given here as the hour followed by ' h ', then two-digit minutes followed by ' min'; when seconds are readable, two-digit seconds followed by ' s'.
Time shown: 12 h 39 min
